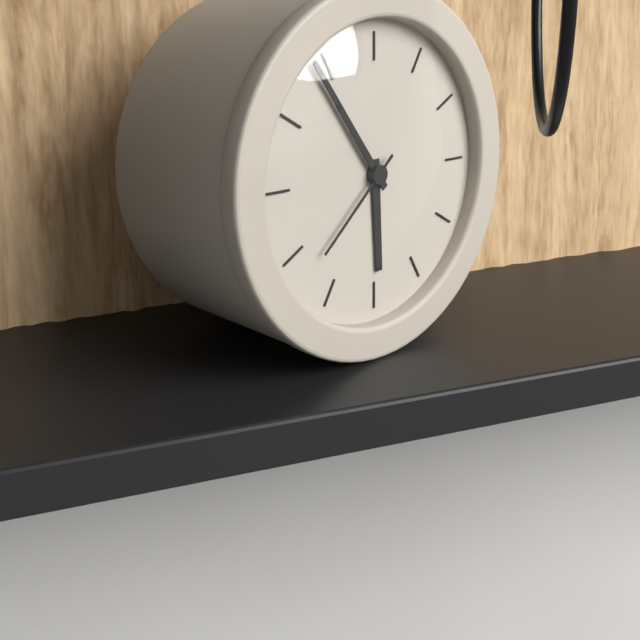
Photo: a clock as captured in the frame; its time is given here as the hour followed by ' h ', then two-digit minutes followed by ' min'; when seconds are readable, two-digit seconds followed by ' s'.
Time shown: 5 h 54 min 38 s
